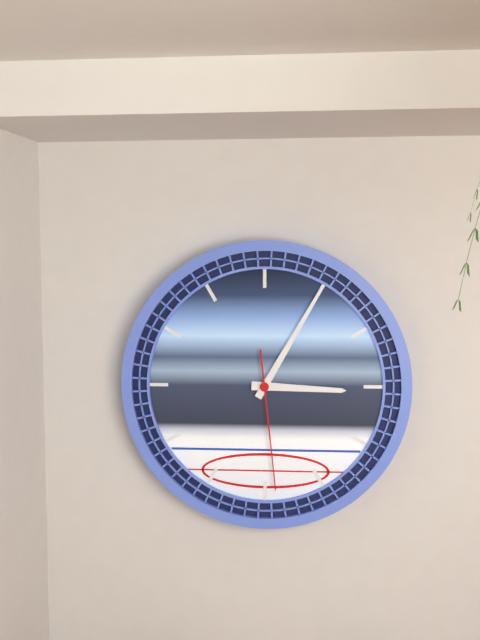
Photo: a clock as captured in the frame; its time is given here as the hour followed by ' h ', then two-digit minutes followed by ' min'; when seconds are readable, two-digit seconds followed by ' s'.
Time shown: 3 h 05 min 29 s
